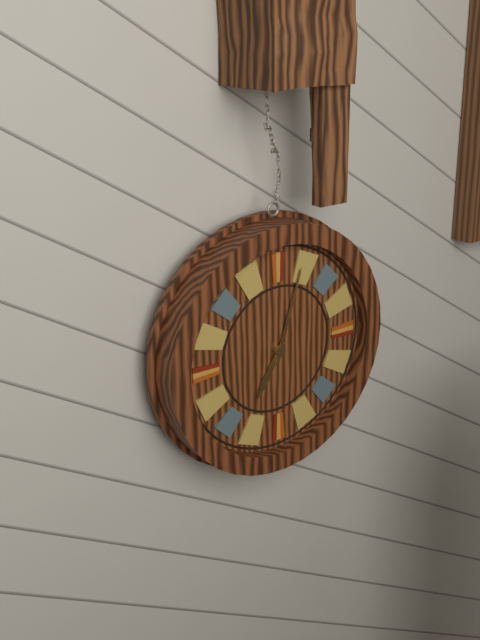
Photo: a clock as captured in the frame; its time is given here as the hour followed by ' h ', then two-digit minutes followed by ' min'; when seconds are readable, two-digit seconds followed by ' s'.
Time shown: 7 h 03 min
